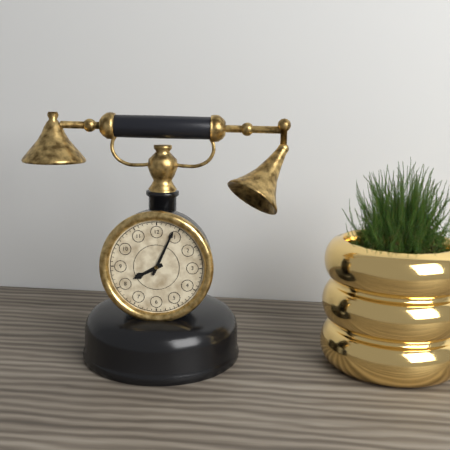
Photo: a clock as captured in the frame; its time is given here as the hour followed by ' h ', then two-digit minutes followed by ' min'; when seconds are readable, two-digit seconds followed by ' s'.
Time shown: 8 h 04 min
